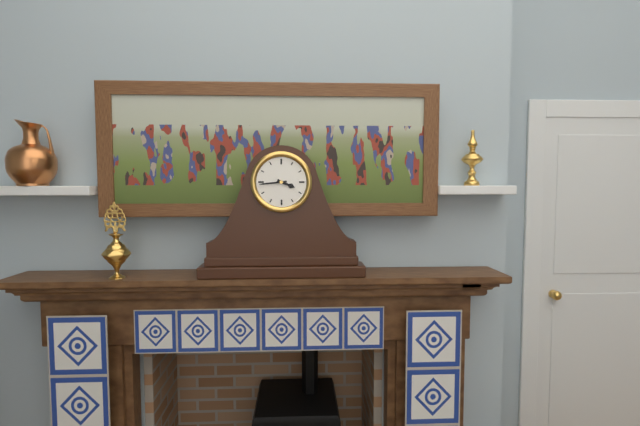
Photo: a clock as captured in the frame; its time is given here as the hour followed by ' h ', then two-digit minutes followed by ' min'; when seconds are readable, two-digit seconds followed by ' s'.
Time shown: 3 h 44 min
